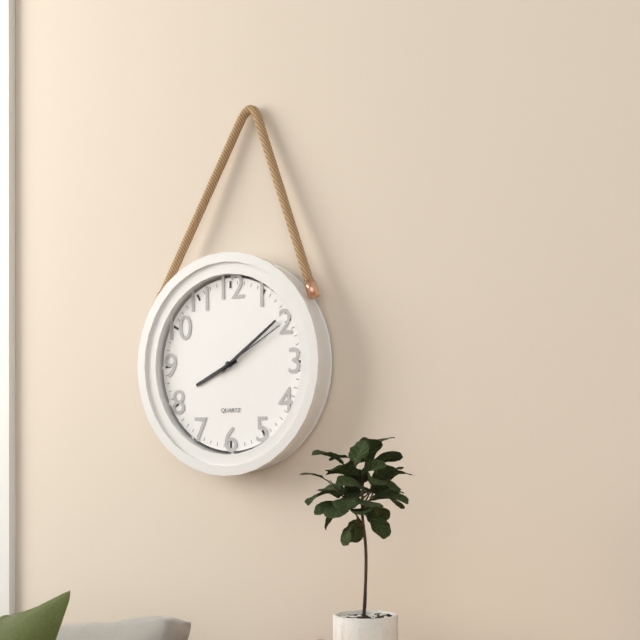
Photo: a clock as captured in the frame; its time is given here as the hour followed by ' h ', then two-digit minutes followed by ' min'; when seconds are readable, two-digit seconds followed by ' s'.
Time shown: 8 h 09 min 10 s
